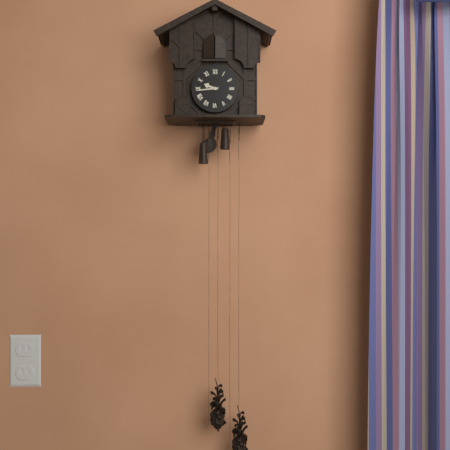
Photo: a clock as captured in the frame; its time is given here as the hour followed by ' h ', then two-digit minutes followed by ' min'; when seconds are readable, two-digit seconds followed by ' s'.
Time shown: 9 h 44 min
